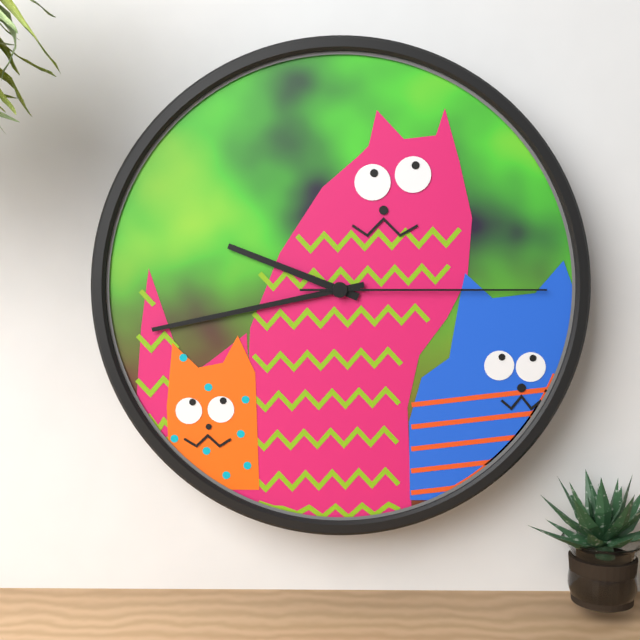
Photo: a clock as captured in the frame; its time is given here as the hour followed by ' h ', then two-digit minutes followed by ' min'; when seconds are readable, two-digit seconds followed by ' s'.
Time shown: 9 h 43 min 15 s
